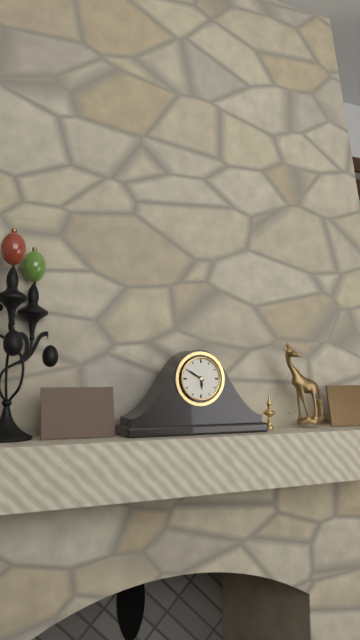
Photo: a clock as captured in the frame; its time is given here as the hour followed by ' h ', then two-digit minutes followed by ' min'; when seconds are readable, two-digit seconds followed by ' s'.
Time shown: 5 h 50 min
